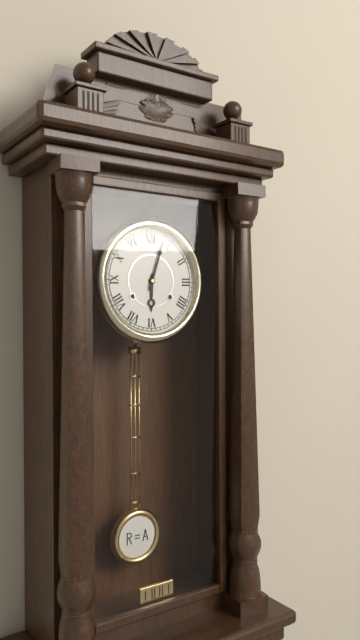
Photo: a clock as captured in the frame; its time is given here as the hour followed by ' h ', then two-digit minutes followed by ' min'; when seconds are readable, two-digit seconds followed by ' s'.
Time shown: 6 h 03 min
